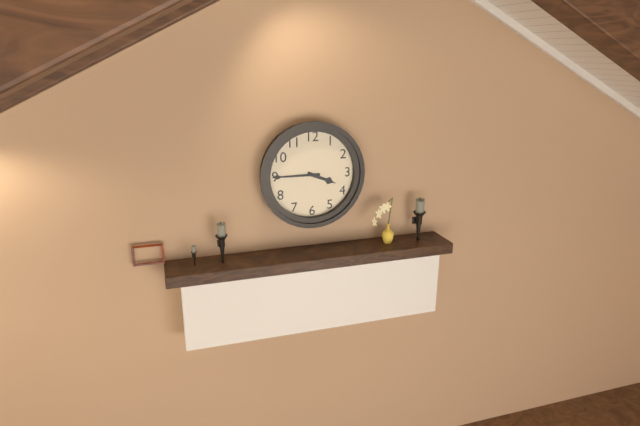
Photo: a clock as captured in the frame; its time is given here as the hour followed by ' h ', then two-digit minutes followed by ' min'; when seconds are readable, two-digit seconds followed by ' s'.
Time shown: 3 h 45 min
